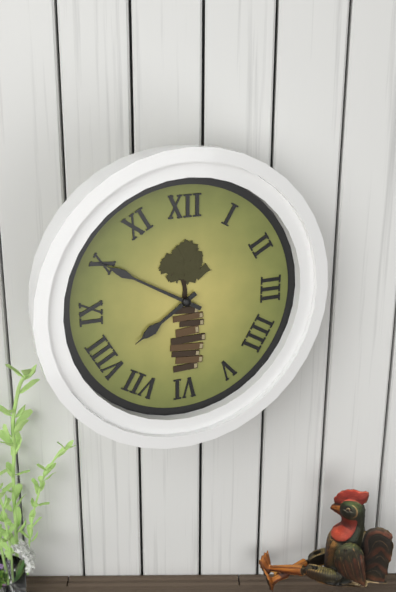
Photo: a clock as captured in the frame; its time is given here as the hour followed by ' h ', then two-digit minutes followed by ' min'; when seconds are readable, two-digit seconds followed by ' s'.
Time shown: 7 h 50 min
